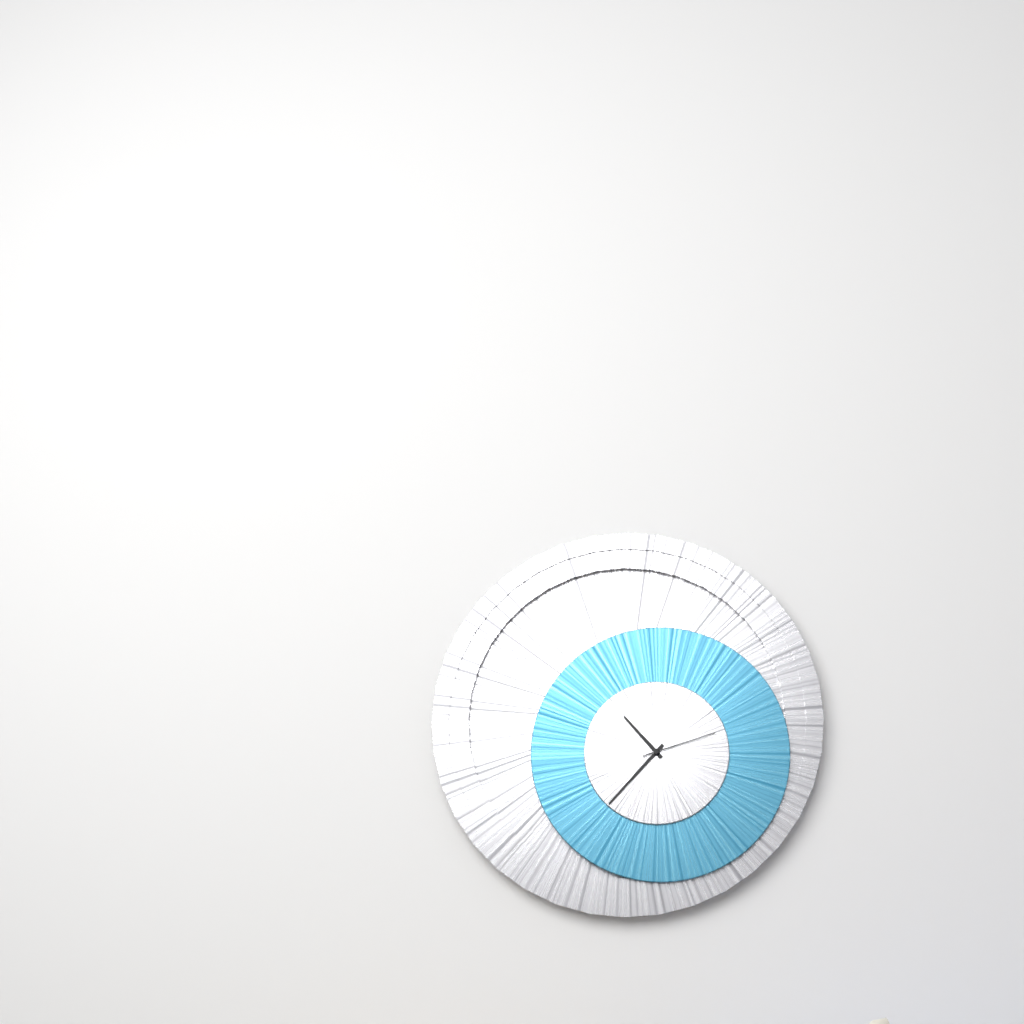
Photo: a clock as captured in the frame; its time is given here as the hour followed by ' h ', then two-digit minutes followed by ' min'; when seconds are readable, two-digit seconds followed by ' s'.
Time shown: 10 h 37 min 12 s
